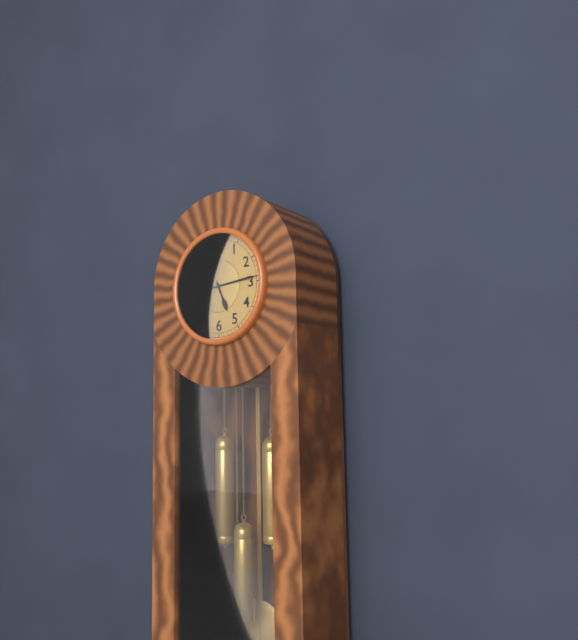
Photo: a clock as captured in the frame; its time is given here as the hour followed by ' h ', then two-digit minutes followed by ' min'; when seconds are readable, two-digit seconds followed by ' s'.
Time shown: 5 h 14 min
